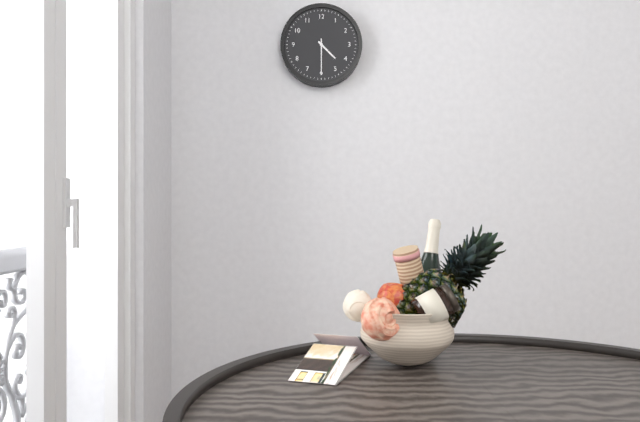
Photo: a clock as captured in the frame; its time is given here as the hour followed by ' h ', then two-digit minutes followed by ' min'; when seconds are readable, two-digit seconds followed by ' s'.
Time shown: 4 h 30 min
